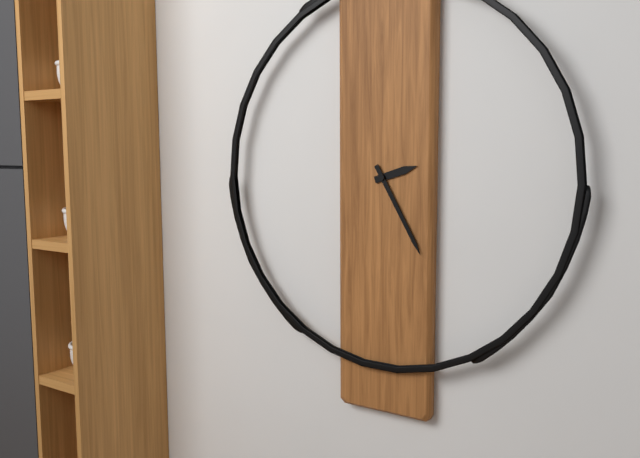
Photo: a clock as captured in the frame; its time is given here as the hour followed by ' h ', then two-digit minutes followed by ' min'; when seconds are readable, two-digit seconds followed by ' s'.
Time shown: 2 h 25 min
